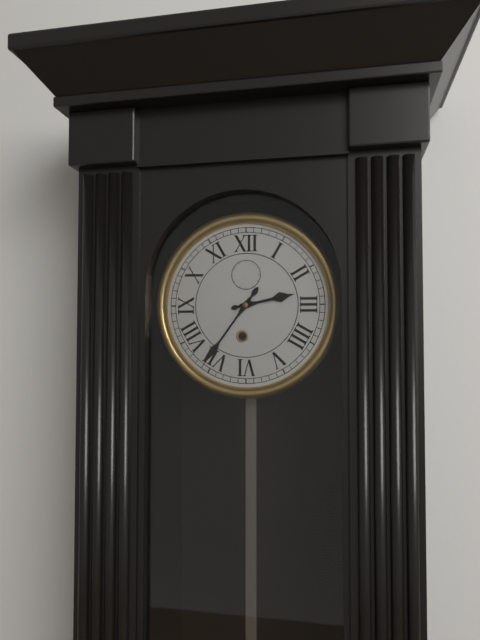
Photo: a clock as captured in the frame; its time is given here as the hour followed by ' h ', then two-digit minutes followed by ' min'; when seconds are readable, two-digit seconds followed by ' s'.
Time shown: 2 h 36 min
